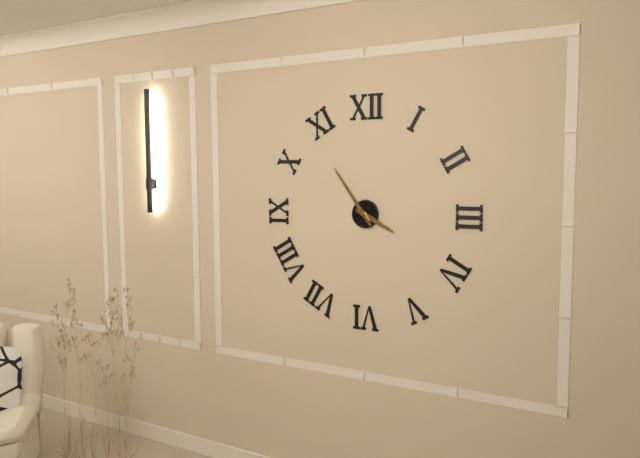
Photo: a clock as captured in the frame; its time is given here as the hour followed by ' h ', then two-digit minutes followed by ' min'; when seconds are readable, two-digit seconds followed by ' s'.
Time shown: 3 h 54 min
